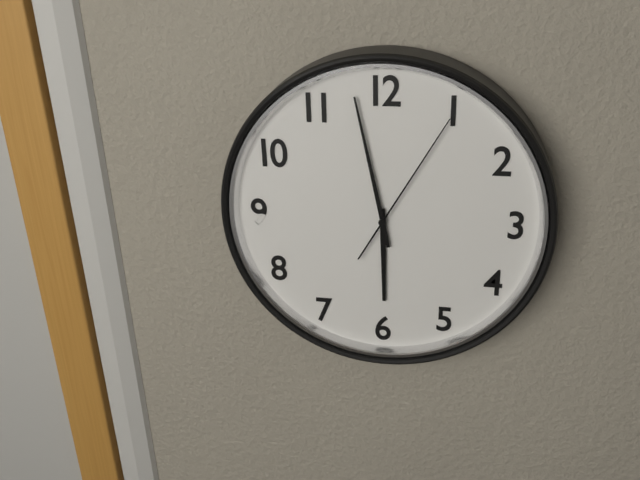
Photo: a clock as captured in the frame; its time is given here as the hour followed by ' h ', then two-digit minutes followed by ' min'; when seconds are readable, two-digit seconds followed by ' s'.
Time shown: 5 h 58 min 05 s
